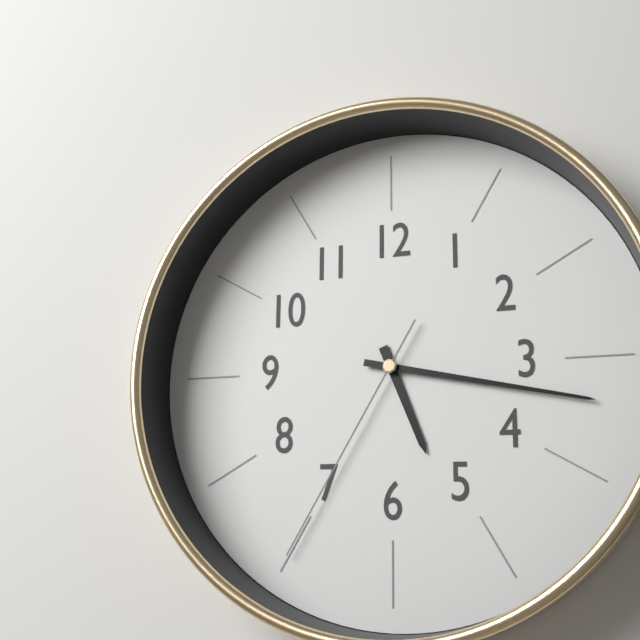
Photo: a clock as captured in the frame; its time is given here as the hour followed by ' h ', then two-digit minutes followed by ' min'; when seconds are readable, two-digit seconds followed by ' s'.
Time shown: 5 h 17 min 35 s
